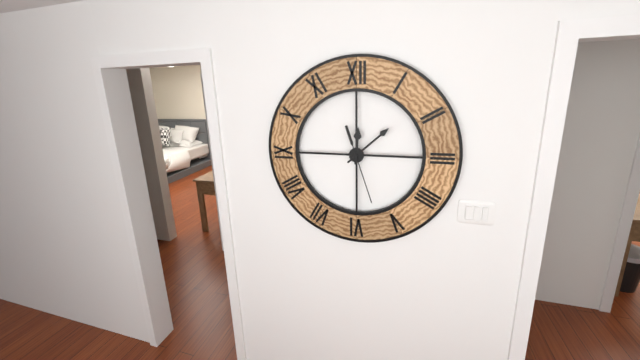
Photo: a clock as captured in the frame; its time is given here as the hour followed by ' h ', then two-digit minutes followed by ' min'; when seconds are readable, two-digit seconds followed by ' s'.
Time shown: 12 h 08 min 27 s
